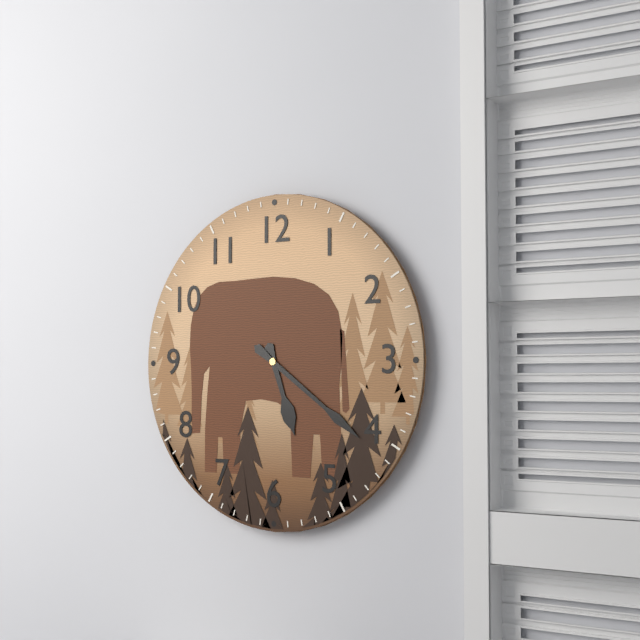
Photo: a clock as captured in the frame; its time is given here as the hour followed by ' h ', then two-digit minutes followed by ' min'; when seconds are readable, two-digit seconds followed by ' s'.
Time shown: 5 h 21 min
